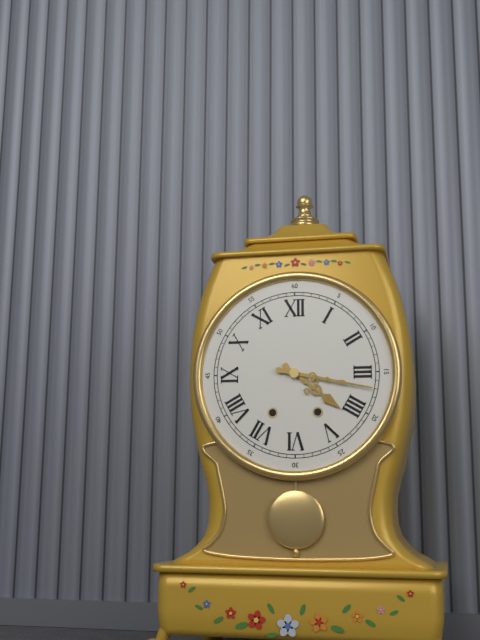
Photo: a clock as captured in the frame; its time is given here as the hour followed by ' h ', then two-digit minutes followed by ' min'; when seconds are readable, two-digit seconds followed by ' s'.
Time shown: 4 h 17 min
